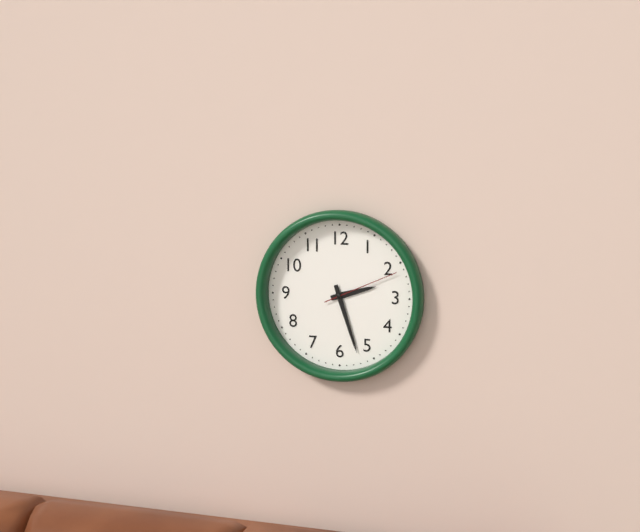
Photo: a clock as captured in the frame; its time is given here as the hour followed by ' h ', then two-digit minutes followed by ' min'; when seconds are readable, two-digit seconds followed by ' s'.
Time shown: 2 h 27 min 11 s
